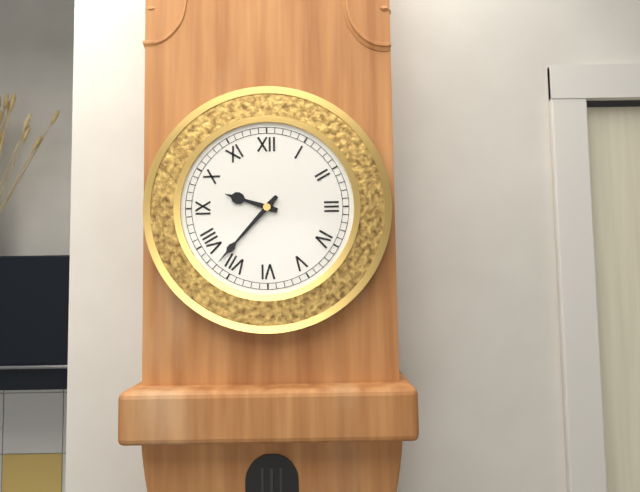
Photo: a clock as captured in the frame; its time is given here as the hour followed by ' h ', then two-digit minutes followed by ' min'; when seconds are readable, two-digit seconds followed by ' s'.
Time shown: 9 h 37 min
